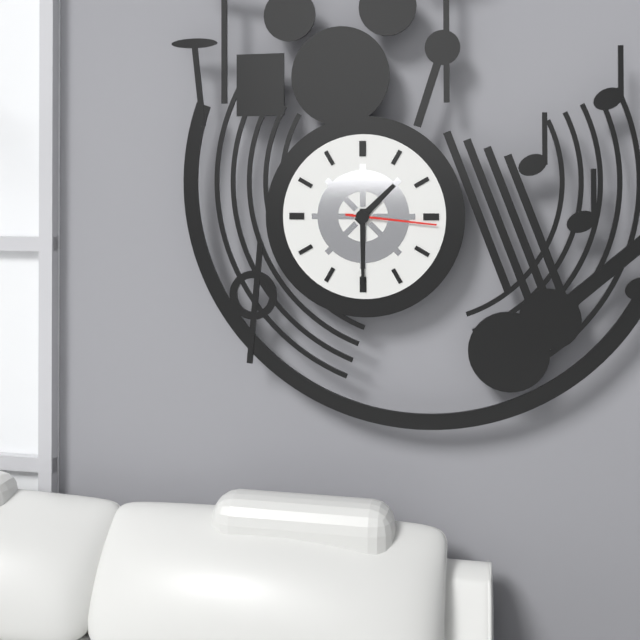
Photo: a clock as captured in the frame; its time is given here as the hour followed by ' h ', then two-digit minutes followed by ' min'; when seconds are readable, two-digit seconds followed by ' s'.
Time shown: 1 h 30 min 16 s
